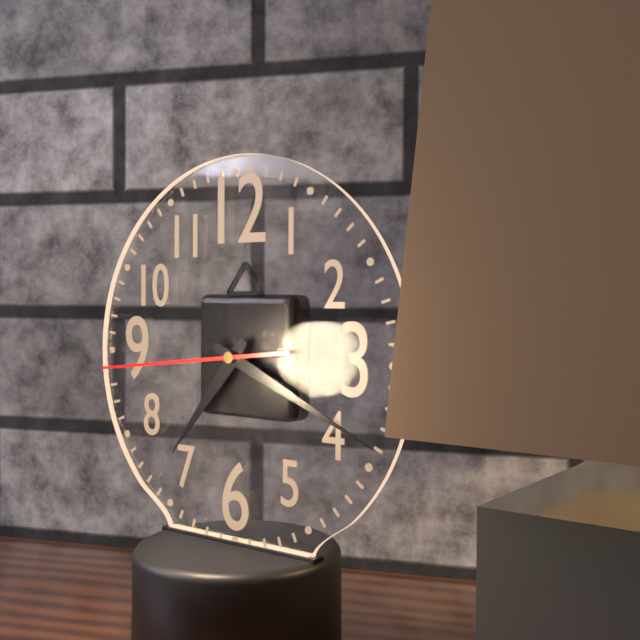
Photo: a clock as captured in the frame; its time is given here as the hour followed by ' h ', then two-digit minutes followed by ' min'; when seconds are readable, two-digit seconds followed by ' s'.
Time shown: 7 h 19 min 44 s
